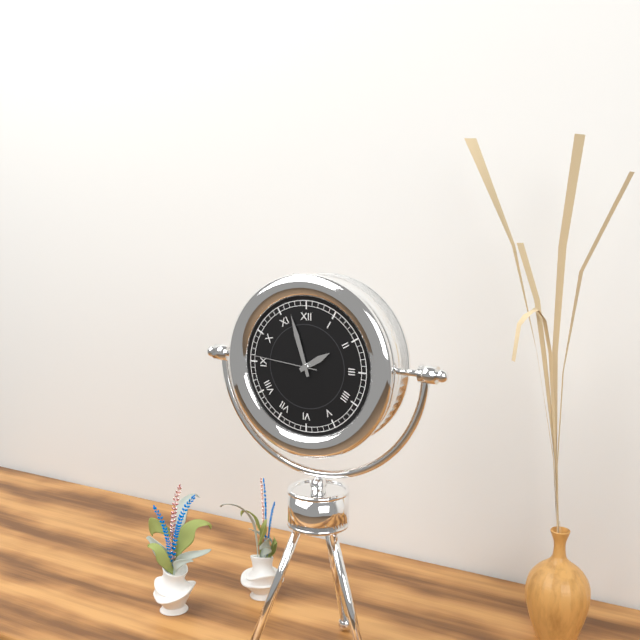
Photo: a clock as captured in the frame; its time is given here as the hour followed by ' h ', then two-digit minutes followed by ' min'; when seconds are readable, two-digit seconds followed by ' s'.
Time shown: 1 h 57 min 46 s
